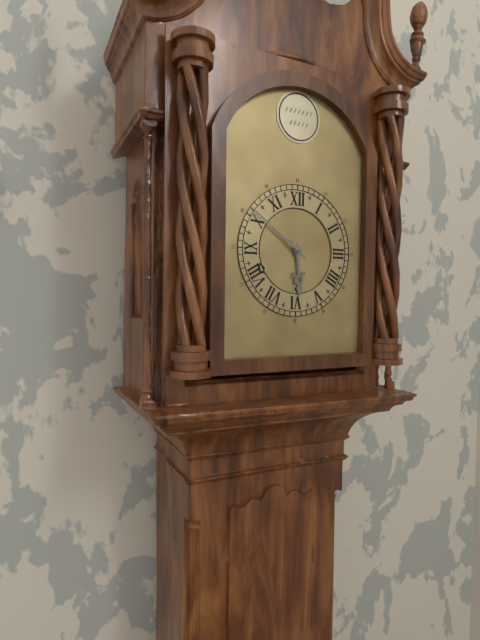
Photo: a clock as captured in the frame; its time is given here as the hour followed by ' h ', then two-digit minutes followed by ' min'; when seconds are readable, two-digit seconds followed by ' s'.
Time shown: 5 h 51 min
